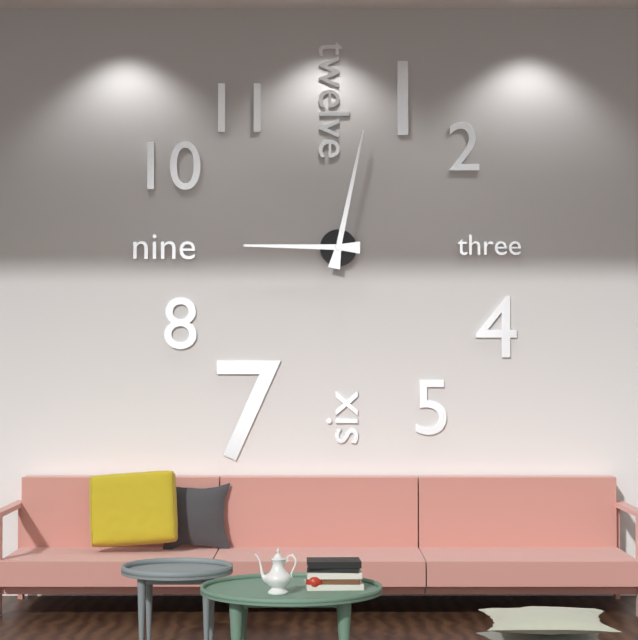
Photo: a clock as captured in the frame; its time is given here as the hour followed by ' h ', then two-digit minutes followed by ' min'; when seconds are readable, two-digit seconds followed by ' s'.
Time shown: 9 h 02 min
